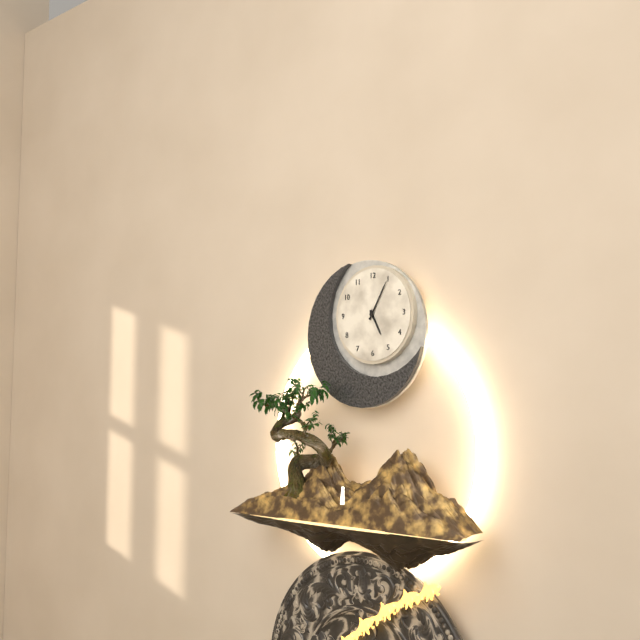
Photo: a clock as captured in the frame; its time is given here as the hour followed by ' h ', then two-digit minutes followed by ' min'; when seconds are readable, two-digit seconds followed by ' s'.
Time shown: 5 h 05 min
